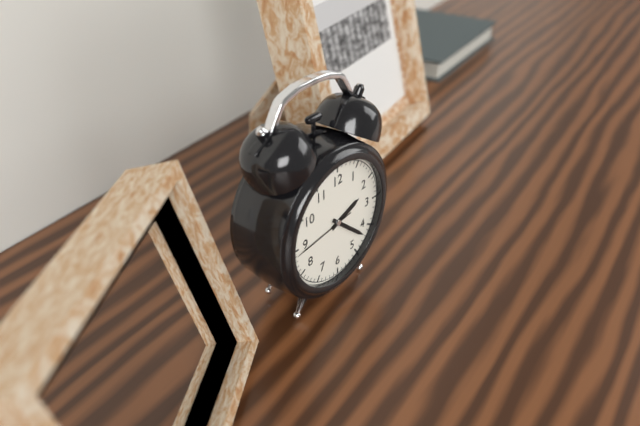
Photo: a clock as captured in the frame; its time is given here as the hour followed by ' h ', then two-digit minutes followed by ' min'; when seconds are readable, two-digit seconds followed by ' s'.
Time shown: 2 h 22 min 44 s
